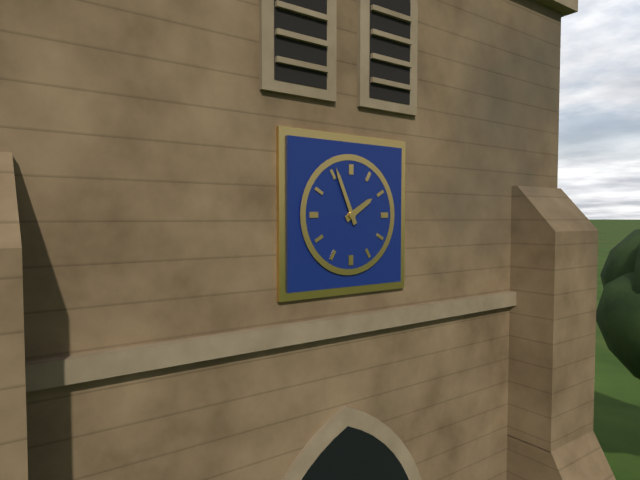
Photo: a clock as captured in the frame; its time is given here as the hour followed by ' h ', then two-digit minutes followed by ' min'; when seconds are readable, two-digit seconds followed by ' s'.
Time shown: 1 h 56 min
